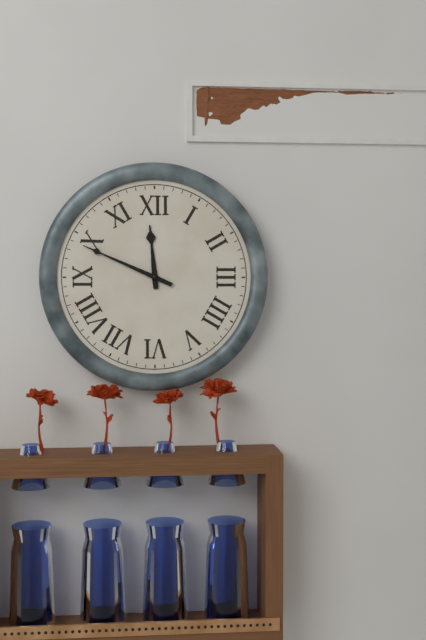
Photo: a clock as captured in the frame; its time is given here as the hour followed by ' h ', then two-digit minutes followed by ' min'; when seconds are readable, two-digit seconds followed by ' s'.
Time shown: 11 h 49 min
